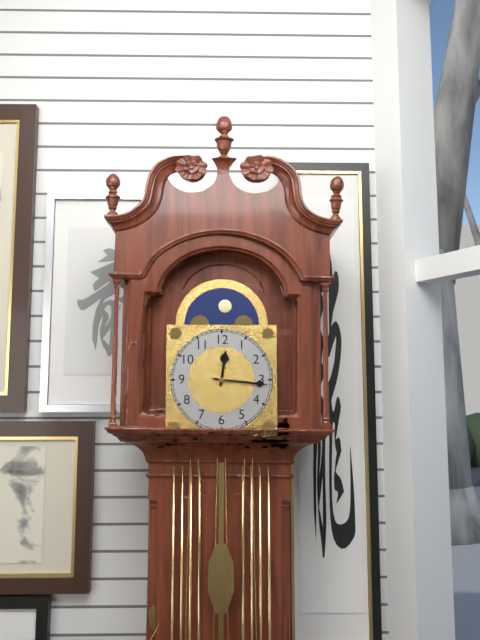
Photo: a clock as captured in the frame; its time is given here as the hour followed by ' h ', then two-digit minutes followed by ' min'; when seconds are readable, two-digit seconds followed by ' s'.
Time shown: 12 h 16 min
